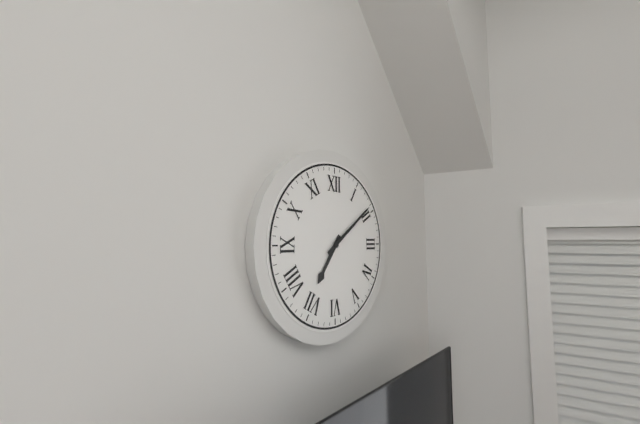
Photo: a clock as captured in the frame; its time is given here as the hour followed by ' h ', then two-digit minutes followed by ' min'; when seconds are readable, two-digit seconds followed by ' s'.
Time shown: 7 h 09 min
